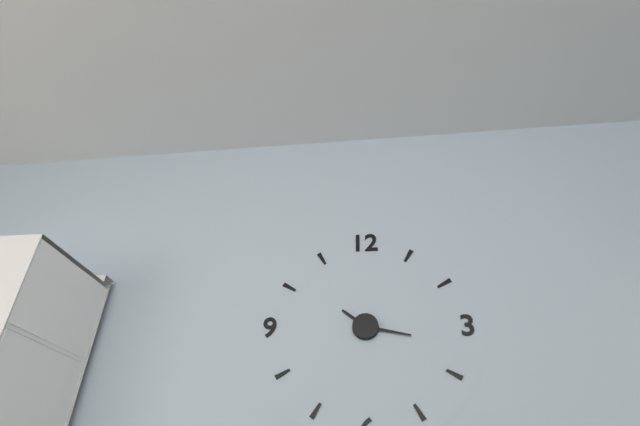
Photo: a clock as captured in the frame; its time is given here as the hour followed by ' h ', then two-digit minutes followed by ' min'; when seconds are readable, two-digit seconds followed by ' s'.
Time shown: 10 h 17 min
